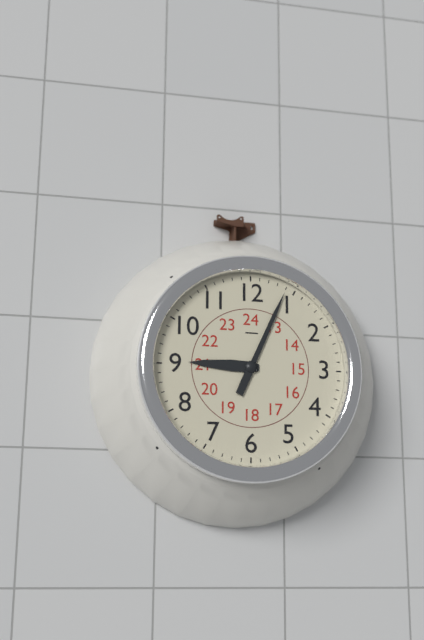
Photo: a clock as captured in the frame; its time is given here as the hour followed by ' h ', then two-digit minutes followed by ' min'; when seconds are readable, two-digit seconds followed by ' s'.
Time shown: 9 h 04 min
